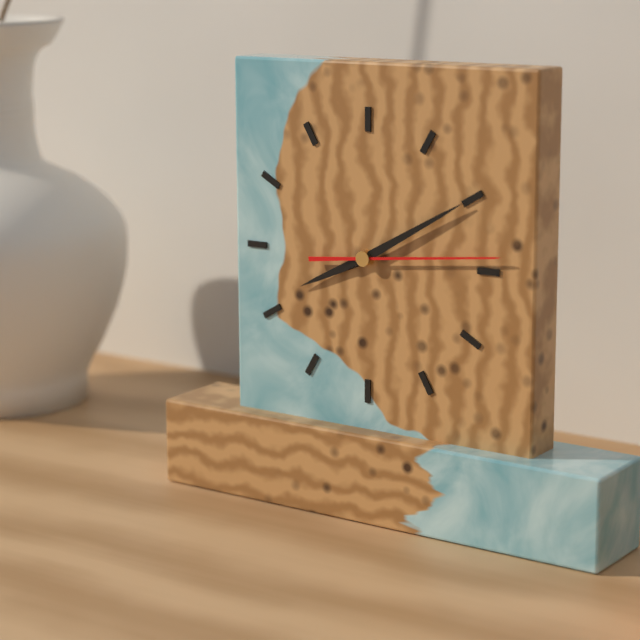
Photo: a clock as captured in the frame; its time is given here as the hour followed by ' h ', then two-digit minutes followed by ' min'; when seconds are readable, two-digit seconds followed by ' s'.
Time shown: 8 h 10 min 14 s
